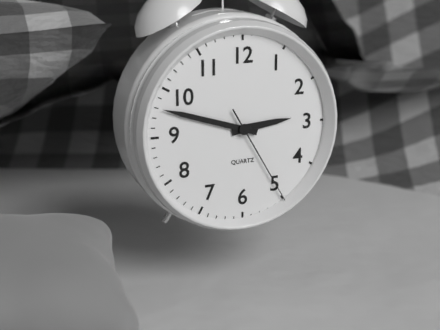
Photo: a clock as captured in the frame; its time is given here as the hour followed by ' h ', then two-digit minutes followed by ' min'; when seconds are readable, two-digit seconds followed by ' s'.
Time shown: 2 h 48 min 25 s
